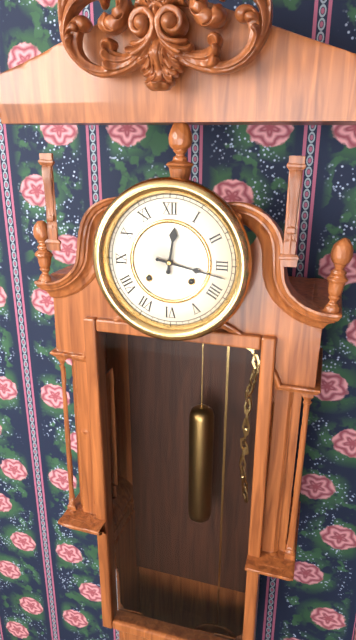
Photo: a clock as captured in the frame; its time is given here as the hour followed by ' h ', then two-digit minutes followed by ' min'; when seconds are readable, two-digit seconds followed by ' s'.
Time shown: 12 h 17 min
